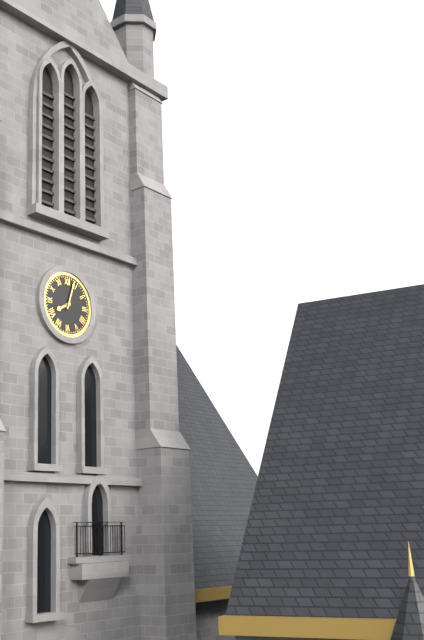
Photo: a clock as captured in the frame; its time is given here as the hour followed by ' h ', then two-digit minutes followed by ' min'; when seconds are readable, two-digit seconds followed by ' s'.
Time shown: 8 h 03 min
